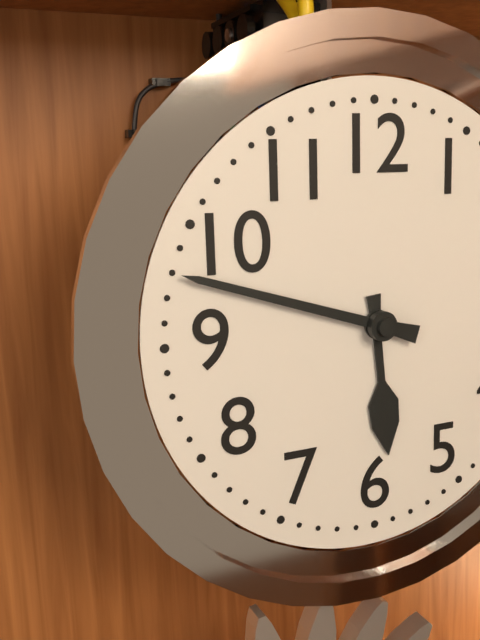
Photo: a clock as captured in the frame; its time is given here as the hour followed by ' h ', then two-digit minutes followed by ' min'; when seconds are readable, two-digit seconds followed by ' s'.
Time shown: 5 h 48 min
